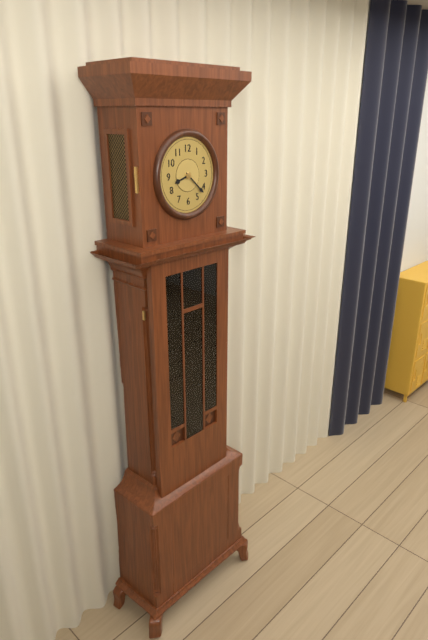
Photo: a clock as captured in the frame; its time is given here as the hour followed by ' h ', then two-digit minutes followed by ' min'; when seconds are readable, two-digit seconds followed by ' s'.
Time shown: 8 h 22 min
